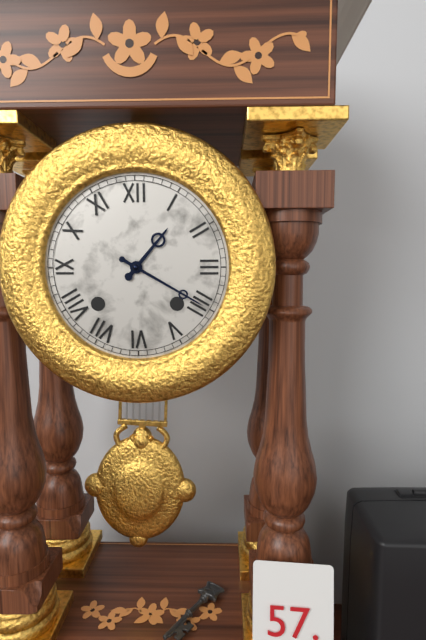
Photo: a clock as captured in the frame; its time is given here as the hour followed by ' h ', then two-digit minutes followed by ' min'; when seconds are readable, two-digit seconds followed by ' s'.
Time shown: 1 h 20 min
